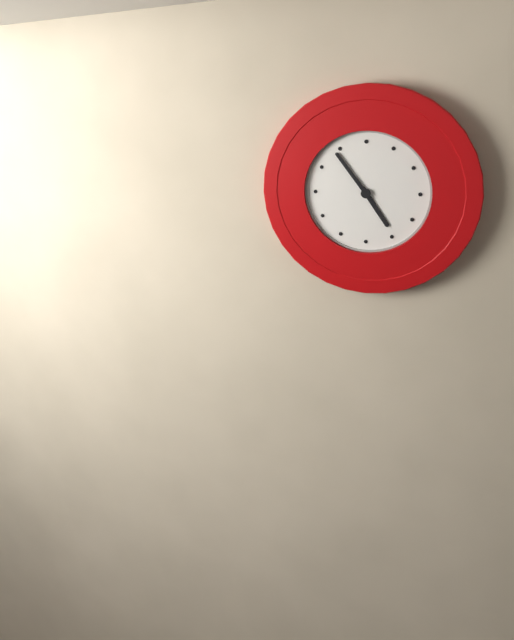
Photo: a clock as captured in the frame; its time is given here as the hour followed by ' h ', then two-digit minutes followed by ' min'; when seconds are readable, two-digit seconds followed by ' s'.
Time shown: 4 h 54 min
